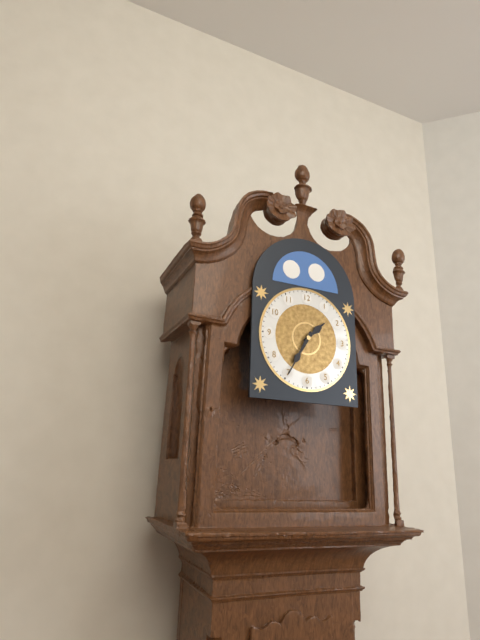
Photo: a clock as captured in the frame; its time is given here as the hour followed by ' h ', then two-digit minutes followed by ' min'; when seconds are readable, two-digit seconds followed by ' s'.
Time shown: 1 h 35 min
